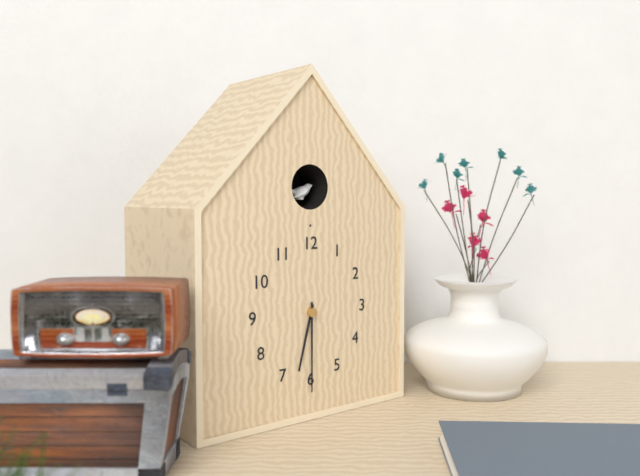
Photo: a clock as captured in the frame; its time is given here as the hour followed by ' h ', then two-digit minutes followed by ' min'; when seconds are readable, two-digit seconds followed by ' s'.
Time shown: 6 h 30 min
